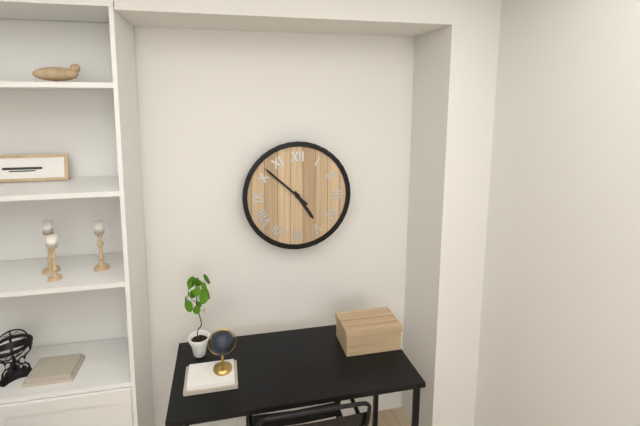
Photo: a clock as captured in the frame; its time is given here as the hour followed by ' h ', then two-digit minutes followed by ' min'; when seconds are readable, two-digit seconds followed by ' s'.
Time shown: 4 h 52 min
